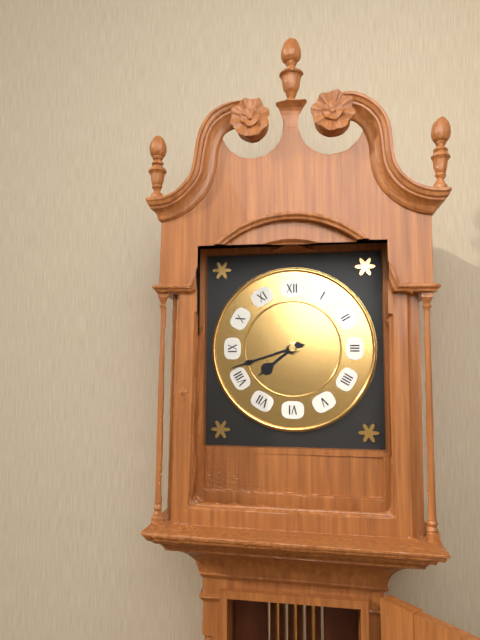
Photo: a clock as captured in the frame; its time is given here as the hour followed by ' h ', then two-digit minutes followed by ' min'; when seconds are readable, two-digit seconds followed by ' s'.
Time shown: 7 h 42 min
